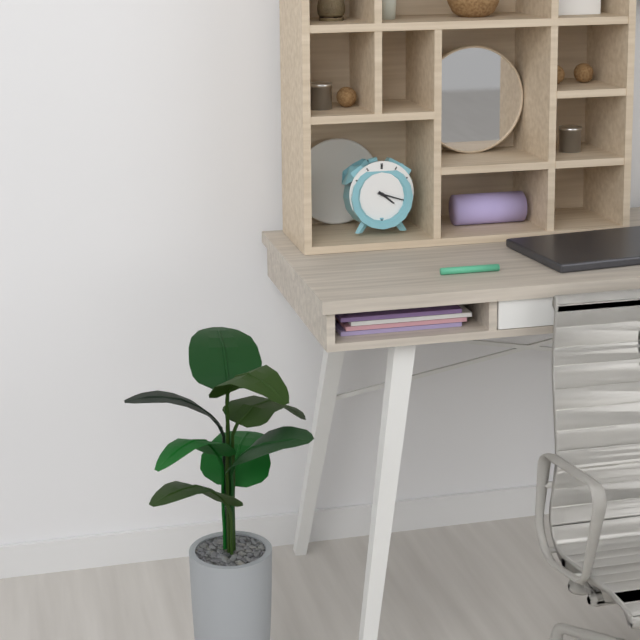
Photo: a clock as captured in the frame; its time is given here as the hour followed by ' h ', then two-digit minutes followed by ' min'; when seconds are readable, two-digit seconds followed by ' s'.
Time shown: 4 h 18 min
